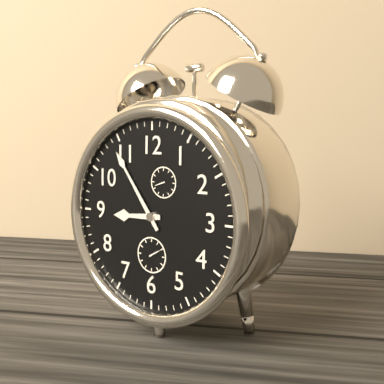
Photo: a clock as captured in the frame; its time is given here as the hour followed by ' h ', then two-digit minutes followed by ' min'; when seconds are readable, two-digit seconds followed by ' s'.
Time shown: 8 h 54 min
